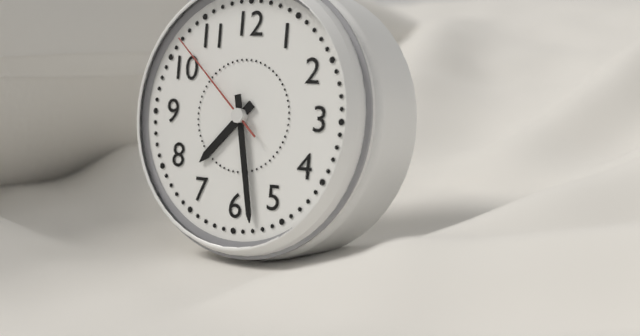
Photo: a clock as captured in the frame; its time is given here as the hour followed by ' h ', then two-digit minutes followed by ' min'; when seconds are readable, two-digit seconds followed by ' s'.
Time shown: 7 h 28 min 52 s
